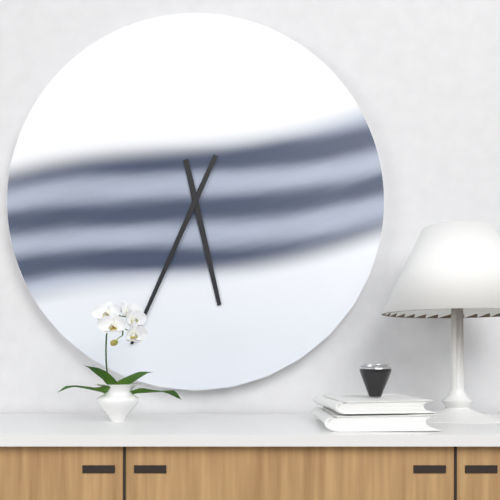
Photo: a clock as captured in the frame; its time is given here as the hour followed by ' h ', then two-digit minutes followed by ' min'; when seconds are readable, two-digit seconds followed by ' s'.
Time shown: 5 h 34 min
